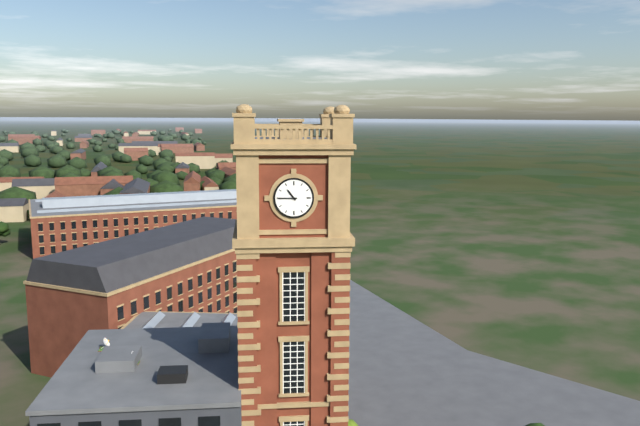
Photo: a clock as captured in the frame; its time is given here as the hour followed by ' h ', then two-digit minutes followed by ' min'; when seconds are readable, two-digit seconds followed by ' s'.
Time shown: 10 h 45 min
